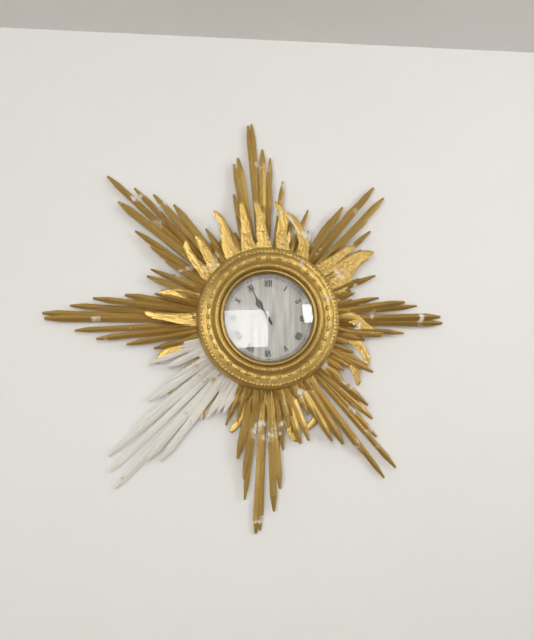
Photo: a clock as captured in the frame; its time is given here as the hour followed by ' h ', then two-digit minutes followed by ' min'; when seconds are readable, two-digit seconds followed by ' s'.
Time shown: 10 h 55 min
